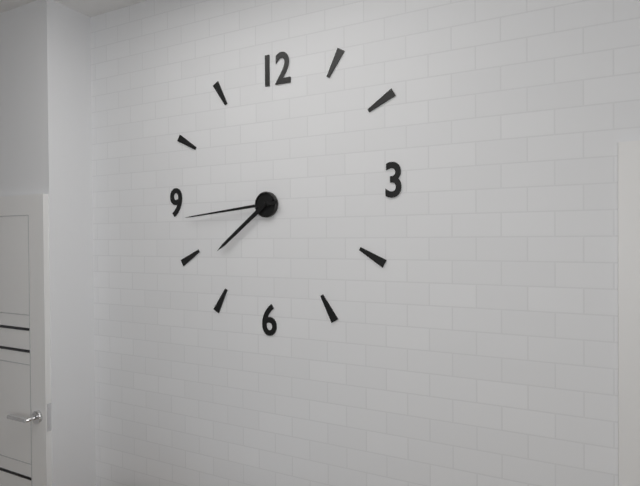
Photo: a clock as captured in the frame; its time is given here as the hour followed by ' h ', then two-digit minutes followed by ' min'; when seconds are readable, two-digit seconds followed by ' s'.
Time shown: 7 h 44 min
